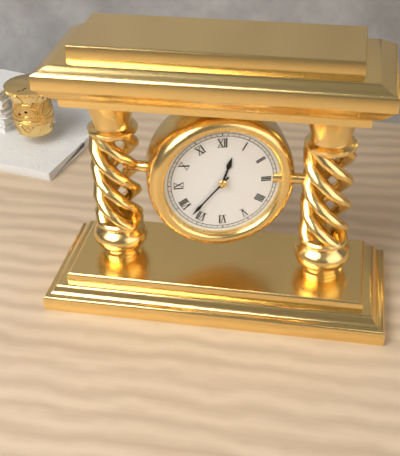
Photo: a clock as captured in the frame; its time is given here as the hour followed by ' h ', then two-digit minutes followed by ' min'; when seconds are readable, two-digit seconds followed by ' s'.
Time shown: 12 h 37 min
